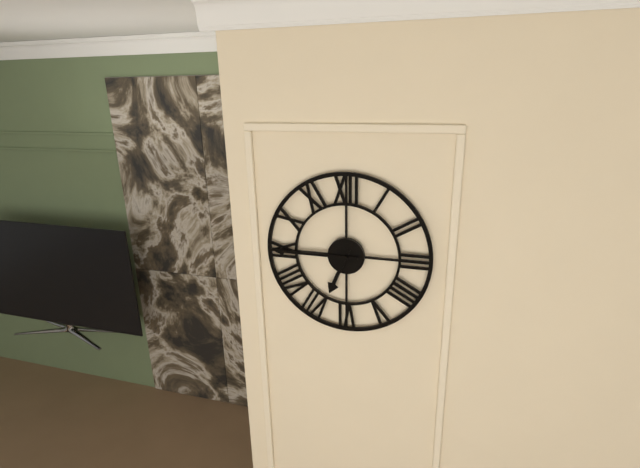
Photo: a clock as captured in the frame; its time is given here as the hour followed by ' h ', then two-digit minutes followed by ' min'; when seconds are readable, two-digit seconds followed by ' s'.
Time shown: 6 h 45 min
